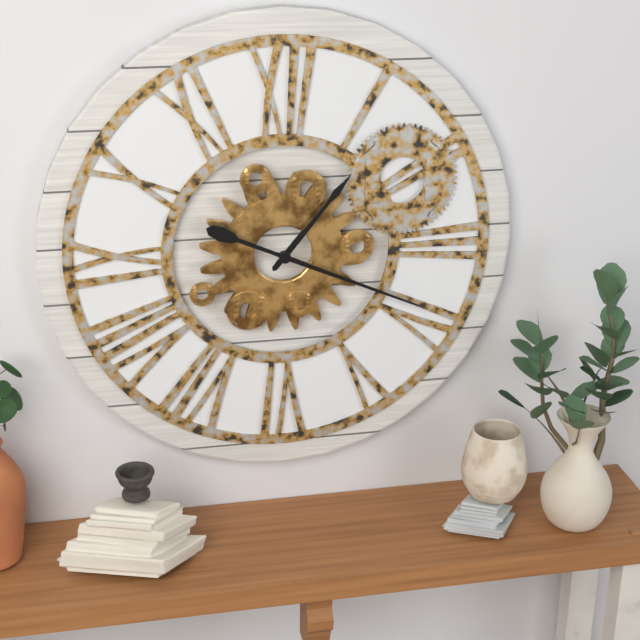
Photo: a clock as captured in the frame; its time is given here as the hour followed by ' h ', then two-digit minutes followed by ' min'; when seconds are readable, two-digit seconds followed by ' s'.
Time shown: 1 h 19 min
